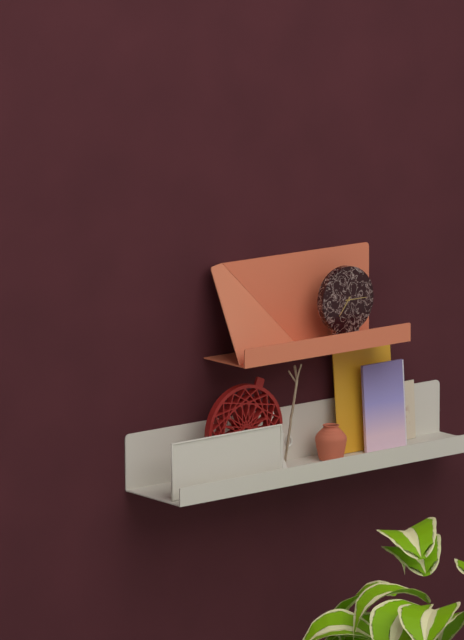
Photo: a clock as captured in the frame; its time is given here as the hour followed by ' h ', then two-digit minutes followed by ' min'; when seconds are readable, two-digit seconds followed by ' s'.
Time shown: 7 h 15 min
